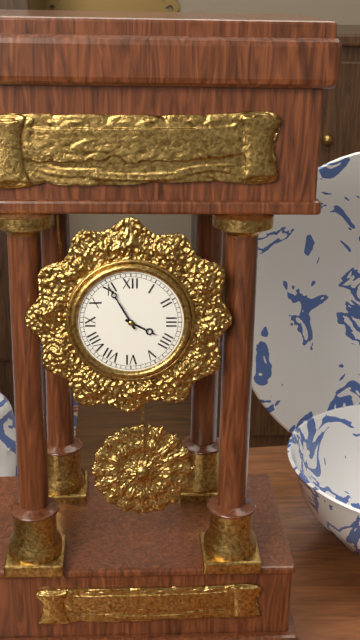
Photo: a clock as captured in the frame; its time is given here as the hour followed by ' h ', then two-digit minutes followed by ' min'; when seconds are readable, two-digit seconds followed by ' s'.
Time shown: 3 h 55 min
